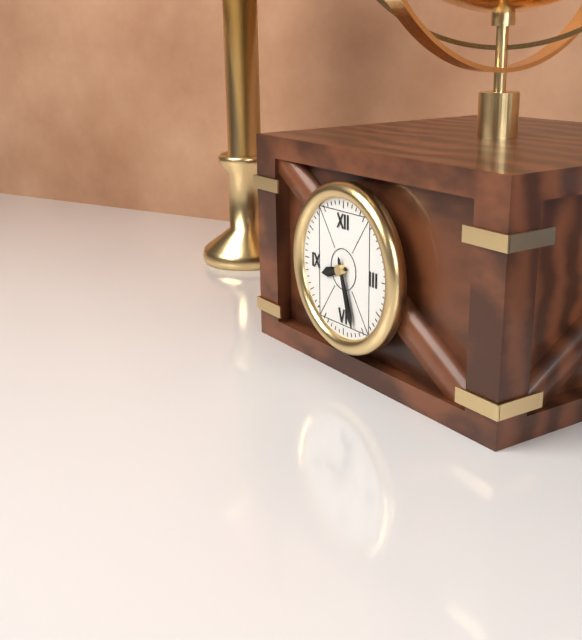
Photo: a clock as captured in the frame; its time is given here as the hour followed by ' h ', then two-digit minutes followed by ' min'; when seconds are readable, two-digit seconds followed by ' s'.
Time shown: 8 h 27 min
